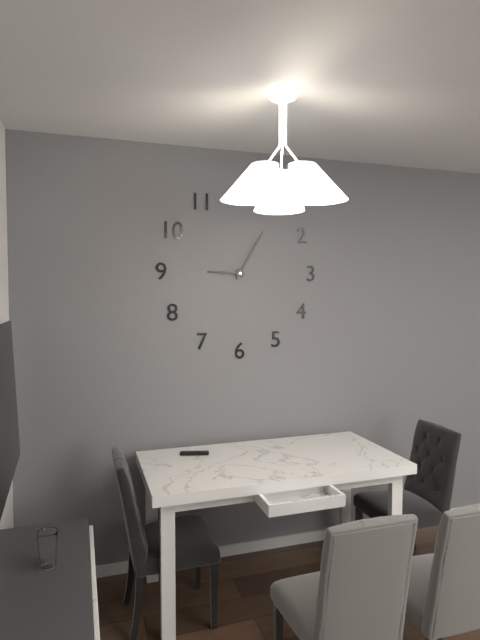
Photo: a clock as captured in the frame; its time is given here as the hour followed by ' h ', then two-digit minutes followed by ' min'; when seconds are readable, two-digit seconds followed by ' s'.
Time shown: 9 h 05 min
